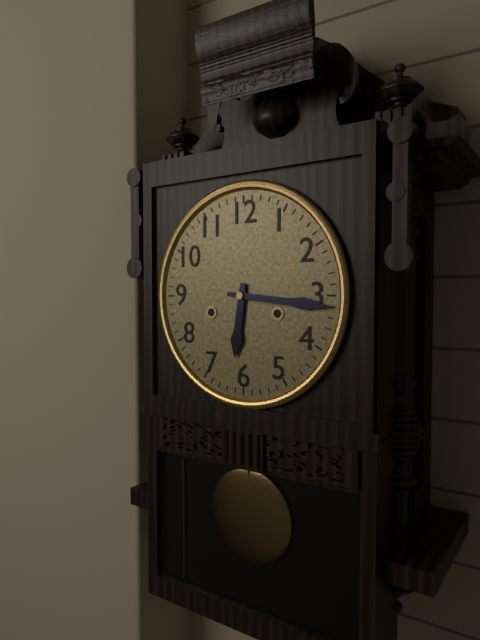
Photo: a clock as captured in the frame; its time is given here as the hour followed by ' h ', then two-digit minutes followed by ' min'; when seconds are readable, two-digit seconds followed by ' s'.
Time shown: 6 h 16 min
